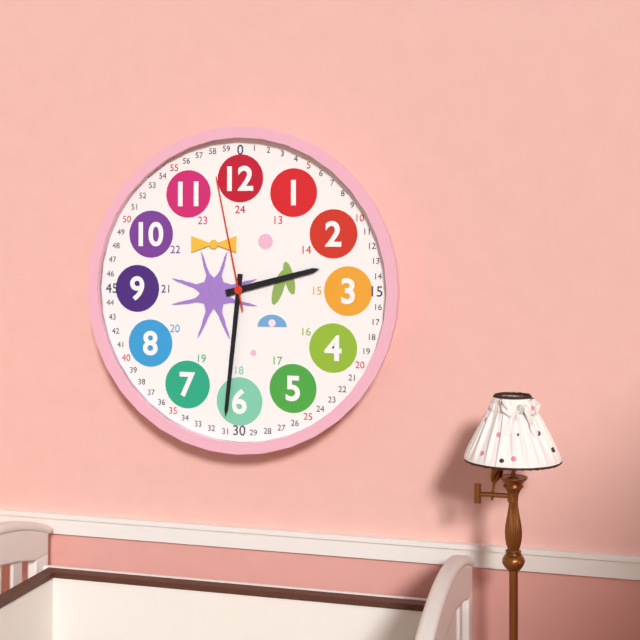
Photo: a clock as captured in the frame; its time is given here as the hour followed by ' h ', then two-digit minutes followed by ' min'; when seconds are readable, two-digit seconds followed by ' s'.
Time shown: 2 h 31 min 58 s
